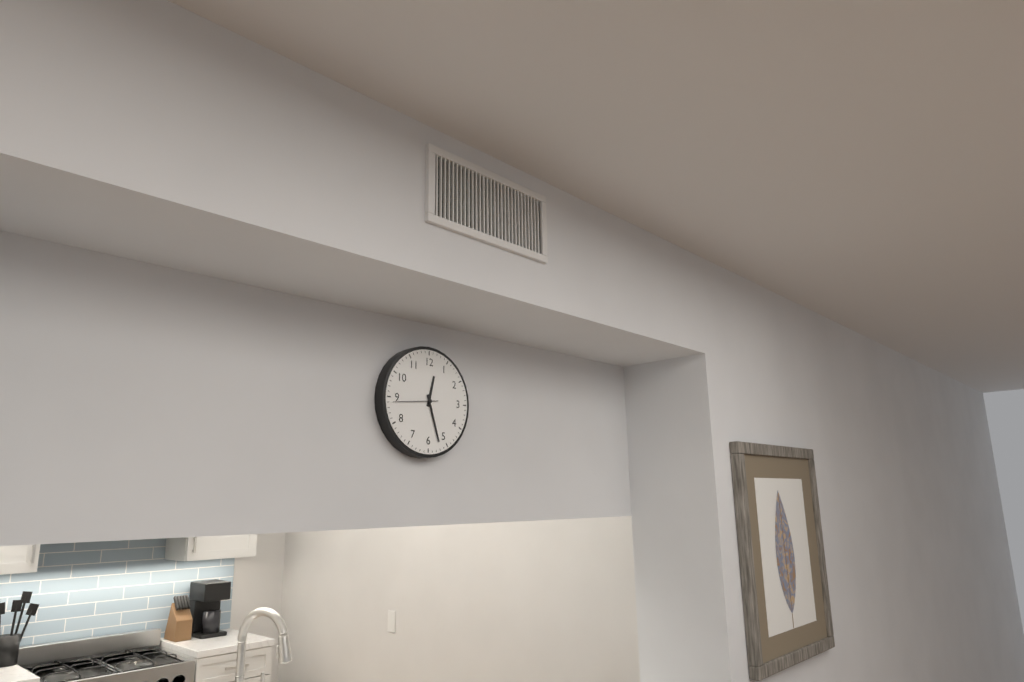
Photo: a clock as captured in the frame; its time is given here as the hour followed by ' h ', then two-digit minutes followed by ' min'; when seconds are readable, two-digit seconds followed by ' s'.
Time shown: 12 h 27 min
